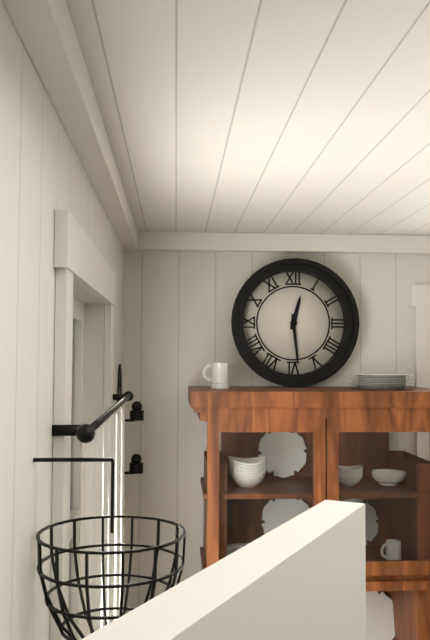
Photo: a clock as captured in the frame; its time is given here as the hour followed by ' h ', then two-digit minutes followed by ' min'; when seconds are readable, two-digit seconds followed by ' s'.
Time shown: 12 h 29 min
